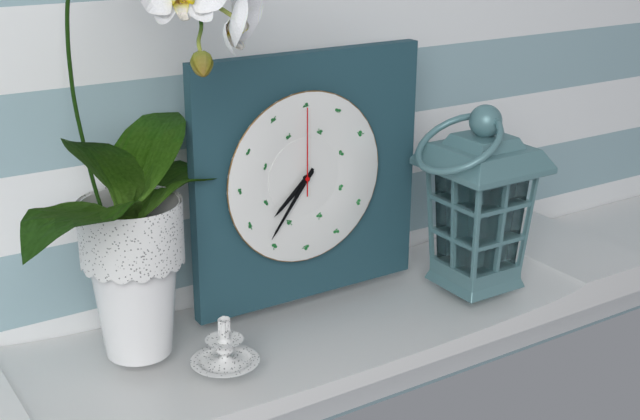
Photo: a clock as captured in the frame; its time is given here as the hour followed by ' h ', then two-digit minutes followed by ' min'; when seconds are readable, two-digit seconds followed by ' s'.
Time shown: 7 h 36 min 00 s
